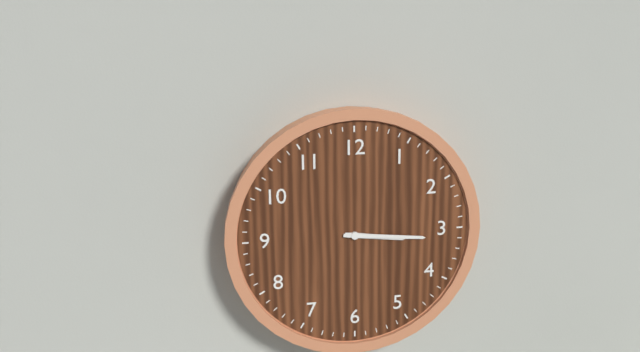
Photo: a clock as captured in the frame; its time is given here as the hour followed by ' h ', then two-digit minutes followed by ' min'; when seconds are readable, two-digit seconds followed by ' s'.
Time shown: 3 h 16 min
